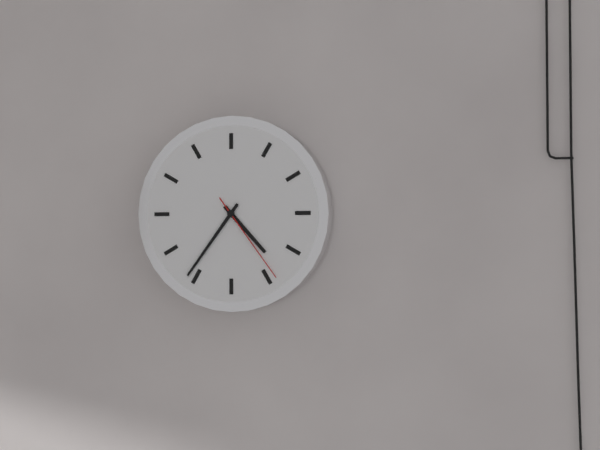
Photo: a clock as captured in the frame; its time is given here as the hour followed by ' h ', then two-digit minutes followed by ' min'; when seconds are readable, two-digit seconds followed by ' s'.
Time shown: 4 h 36 min 24 s
